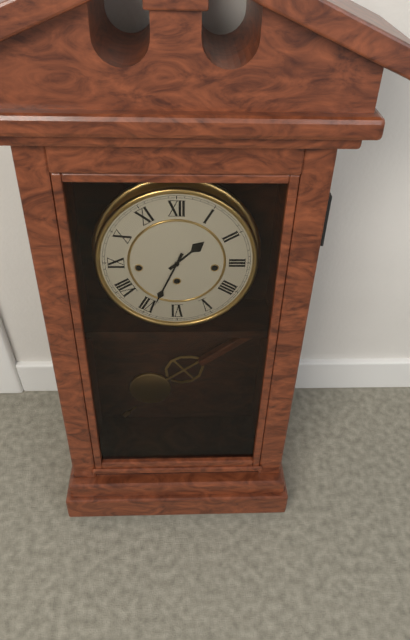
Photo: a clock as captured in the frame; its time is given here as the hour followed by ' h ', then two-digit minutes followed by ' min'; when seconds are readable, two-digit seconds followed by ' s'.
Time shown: 1 h 34 min
